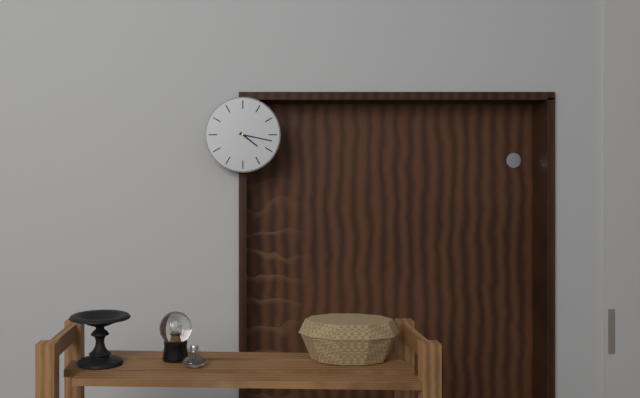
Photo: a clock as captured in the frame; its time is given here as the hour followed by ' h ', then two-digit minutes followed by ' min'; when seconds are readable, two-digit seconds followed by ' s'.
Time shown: 4 h 17 min
